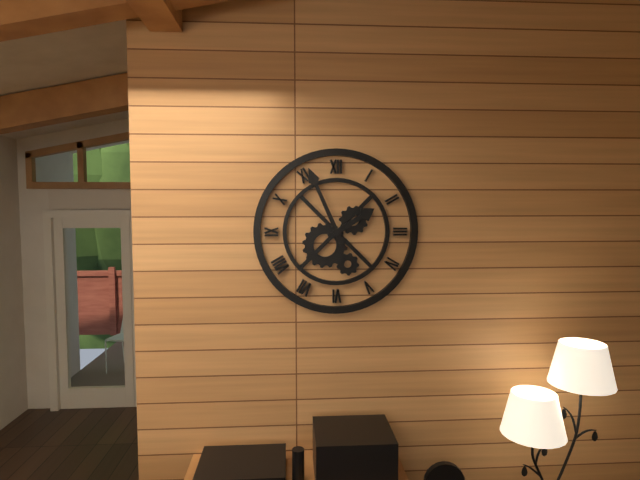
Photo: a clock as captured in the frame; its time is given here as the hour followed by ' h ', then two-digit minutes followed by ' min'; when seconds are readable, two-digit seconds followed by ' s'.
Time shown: 1 h 56 min
